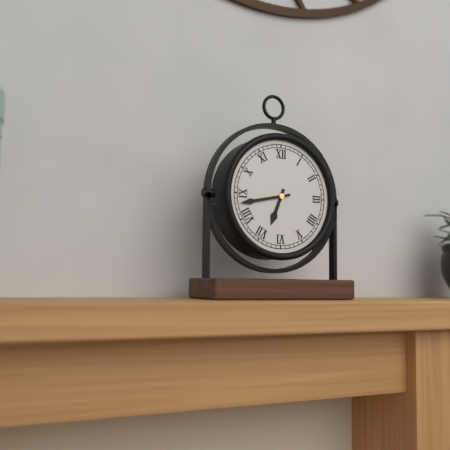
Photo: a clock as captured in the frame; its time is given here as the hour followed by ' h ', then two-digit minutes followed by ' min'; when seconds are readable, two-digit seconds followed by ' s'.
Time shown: 6 h 43 min
